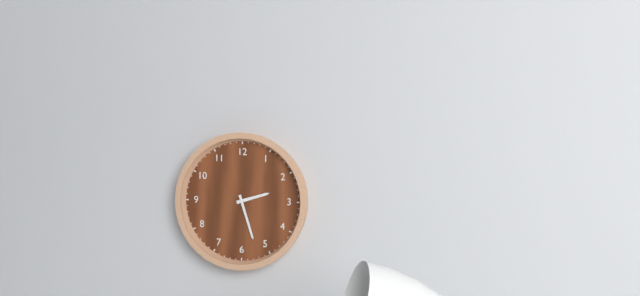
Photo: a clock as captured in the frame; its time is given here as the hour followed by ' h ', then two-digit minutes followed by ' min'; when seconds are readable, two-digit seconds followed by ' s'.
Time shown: 2 h 27 min
